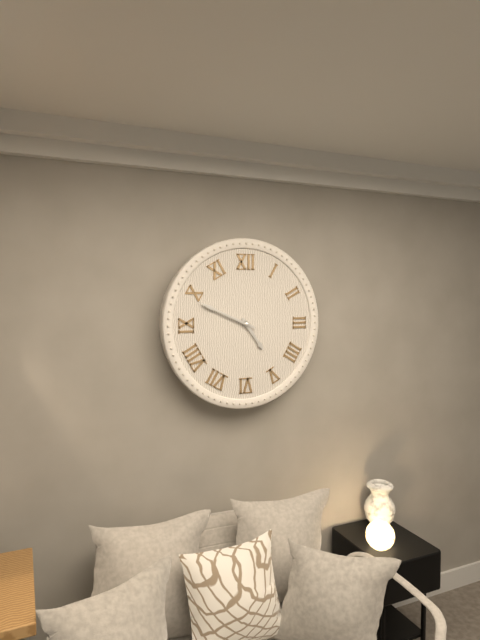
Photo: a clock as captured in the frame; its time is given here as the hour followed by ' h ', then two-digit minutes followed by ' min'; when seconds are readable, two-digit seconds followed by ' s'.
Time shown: 4 h 49 min
